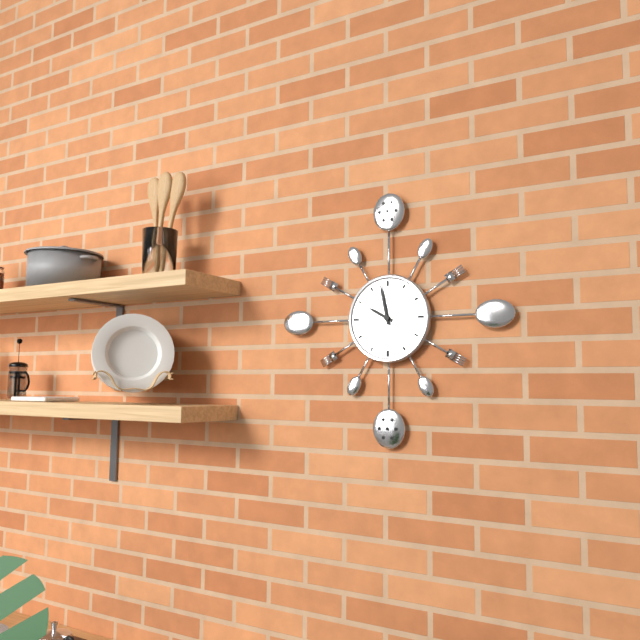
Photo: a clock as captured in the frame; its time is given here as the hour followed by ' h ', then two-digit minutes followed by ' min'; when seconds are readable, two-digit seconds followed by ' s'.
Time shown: 9 h 58 min
